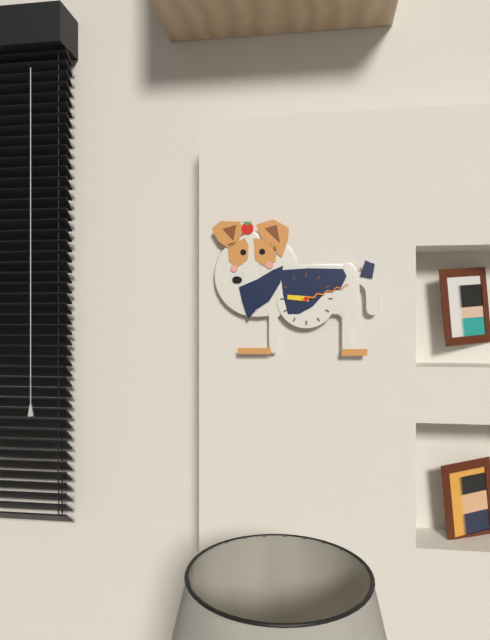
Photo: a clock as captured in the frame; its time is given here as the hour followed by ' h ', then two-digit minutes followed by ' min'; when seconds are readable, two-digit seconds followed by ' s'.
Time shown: 9 h 12 min
